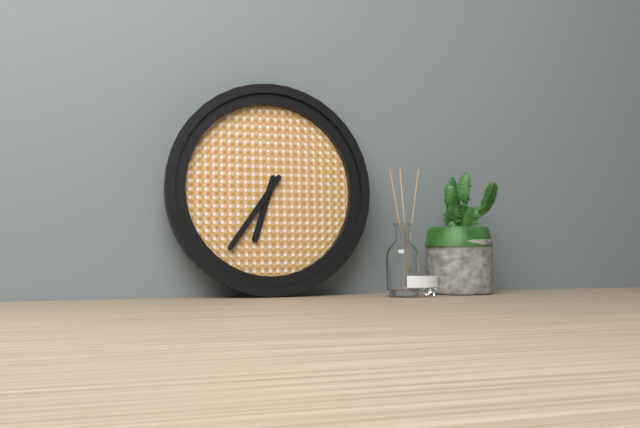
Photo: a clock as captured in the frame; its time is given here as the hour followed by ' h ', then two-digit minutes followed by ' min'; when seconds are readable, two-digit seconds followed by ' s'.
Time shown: 6 h 36 min
